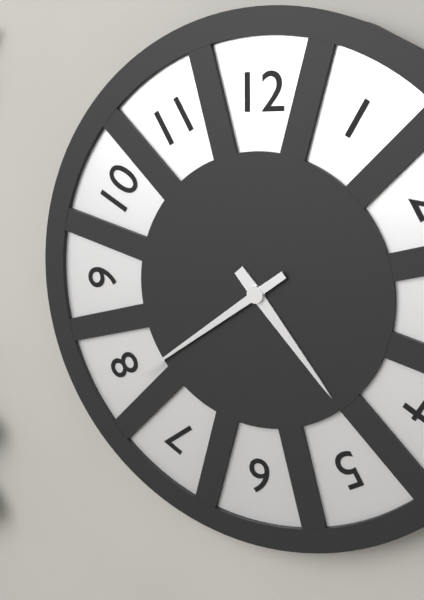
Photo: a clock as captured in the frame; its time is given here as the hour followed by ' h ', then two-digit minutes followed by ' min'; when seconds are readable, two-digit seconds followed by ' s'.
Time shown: 4 h 39 min
